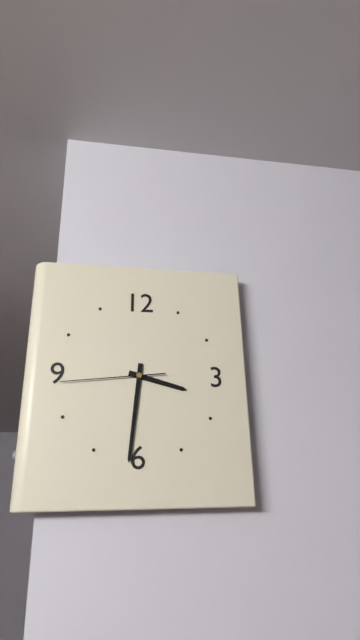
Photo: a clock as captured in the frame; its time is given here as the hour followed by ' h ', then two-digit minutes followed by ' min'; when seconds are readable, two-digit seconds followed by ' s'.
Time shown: 3 h 31 min 44 s
